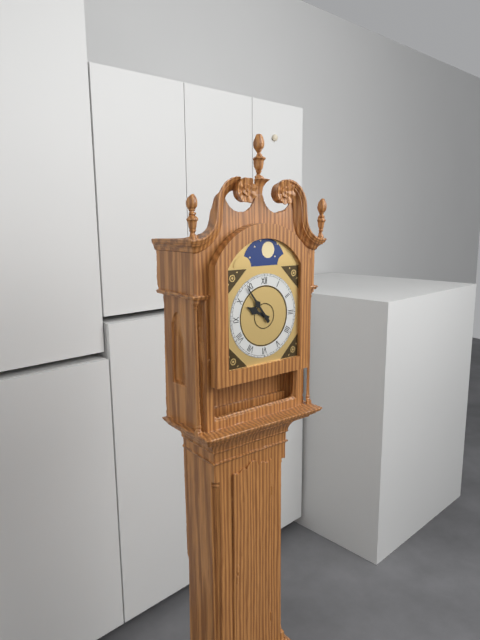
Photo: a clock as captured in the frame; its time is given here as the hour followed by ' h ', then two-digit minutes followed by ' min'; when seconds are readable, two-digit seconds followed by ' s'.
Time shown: 9 h 54 min
